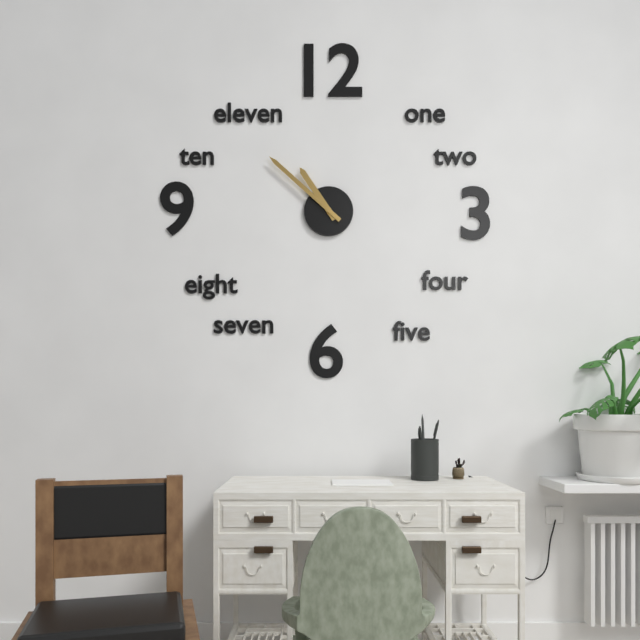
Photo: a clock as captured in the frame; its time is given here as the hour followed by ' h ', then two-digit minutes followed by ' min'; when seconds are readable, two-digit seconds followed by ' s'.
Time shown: 10 h 52 min
